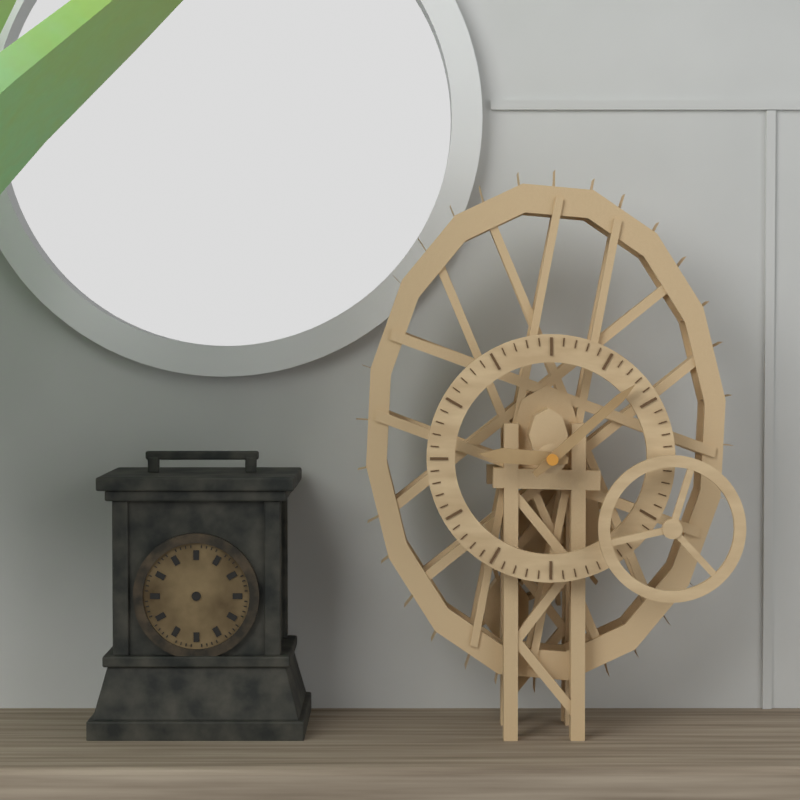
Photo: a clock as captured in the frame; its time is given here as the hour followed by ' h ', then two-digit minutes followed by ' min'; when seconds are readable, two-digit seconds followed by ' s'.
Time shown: 9 h 08 min
